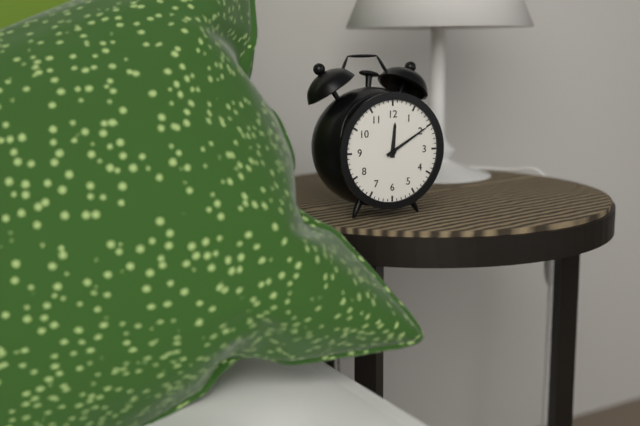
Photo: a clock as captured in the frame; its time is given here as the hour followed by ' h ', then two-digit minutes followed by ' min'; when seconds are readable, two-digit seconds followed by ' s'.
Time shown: 12 h 10 min
